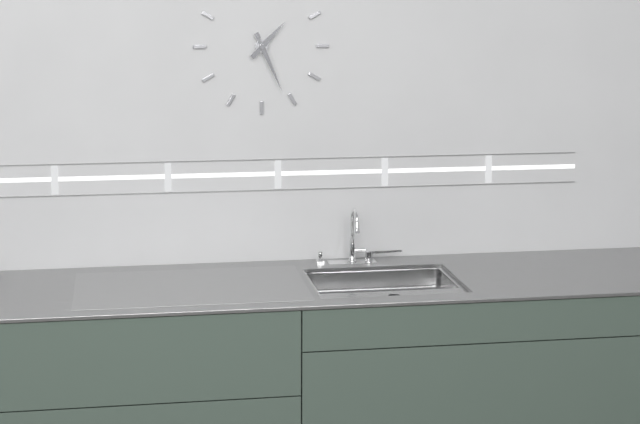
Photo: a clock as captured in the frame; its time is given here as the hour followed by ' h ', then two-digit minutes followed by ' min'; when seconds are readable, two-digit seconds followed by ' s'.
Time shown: 1 h 26 min
